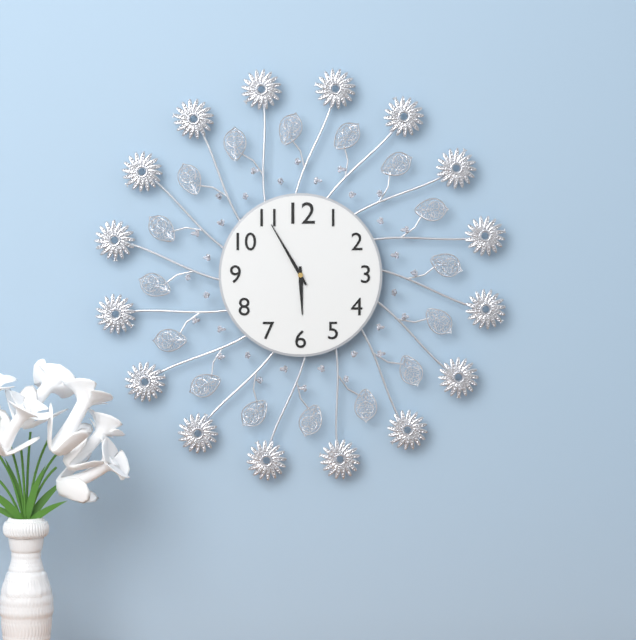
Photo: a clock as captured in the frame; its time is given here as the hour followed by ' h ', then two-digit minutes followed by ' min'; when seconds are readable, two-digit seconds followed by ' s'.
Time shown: 5 h 55 min
